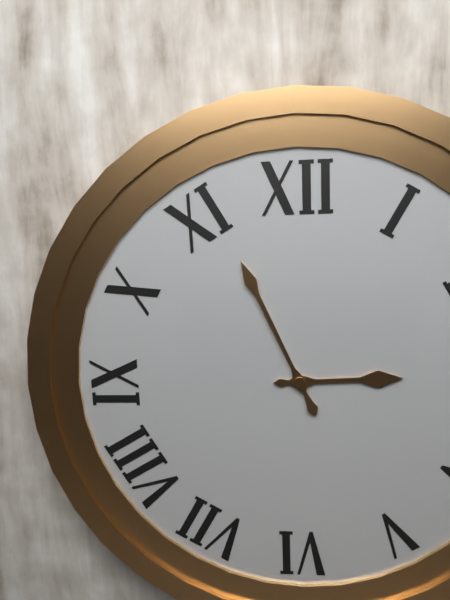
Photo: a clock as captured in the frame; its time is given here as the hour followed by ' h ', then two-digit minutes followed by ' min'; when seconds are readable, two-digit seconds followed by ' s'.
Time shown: 2 h 56 min
